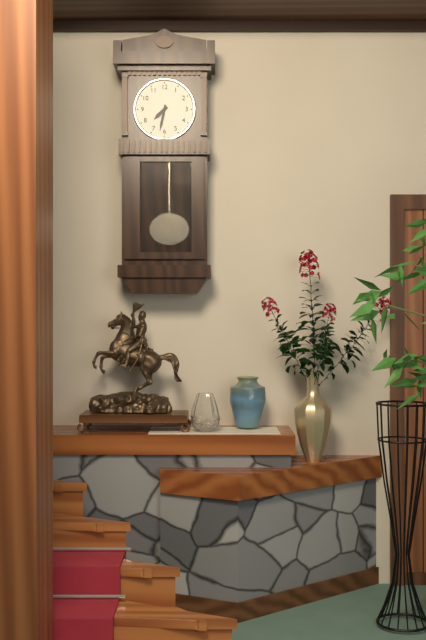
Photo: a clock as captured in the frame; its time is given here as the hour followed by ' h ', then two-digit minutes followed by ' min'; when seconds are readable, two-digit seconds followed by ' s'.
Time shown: 7 h 32 min
